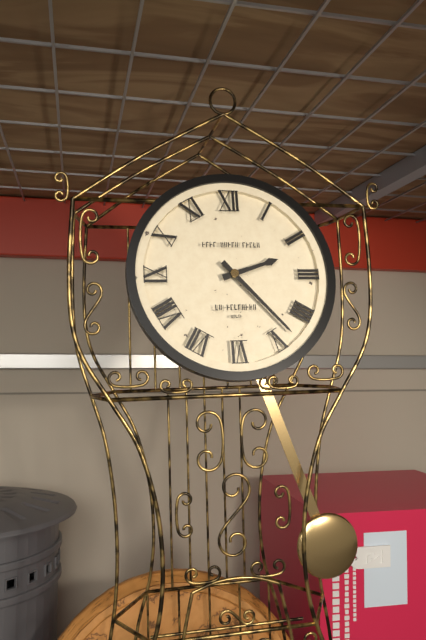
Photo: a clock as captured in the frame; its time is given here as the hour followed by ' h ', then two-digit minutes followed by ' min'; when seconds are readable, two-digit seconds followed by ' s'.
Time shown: 2 h 23 min
